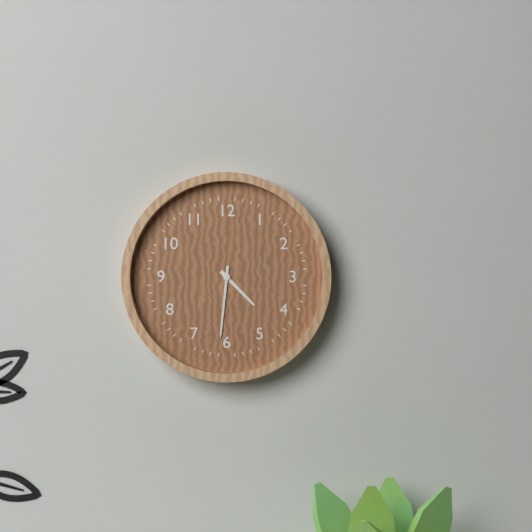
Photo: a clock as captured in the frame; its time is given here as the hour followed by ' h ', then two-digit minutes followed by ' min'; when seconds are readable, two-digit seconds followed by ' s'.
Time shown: 4 h 31 min
